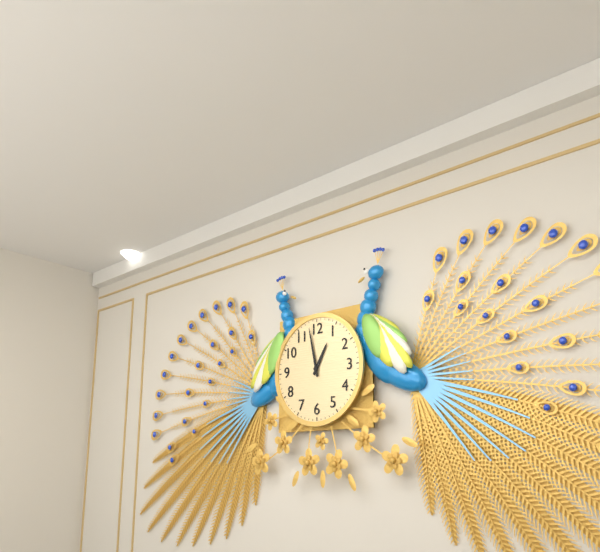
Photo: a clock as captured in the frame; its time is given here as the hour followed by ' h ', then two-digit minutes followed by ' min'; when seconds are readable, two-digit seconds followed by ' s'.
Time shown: 12 h 58 min
